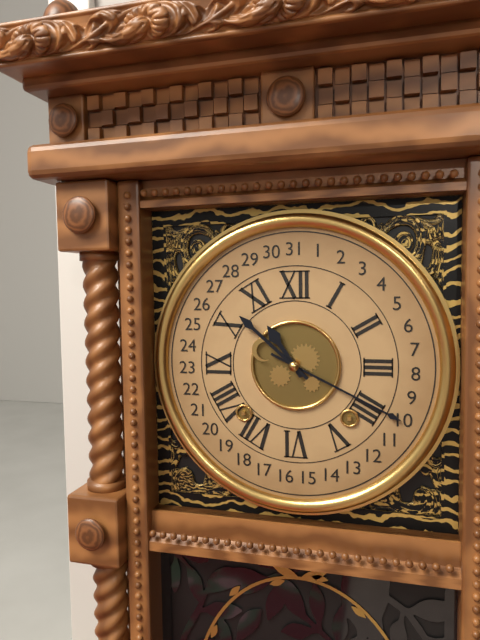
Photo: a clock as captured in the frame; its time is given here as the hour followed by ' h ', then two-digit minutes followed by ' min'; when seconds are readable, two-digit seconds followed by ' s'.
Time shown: 10 h 52 min
